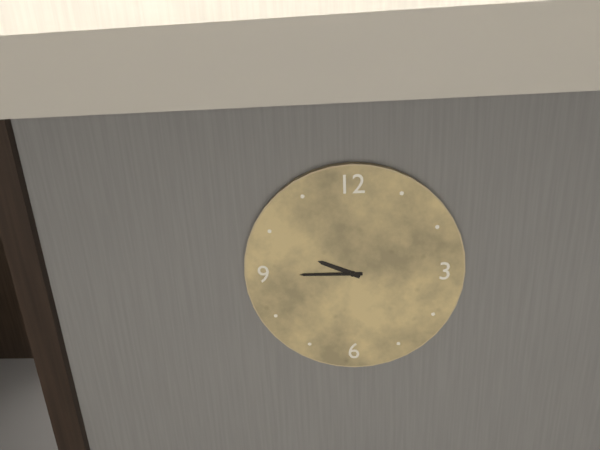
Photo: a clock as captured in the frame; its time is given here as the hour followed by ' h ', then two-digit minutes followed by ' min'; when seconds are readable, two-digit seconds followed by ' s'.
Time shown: 9 h 45 min
